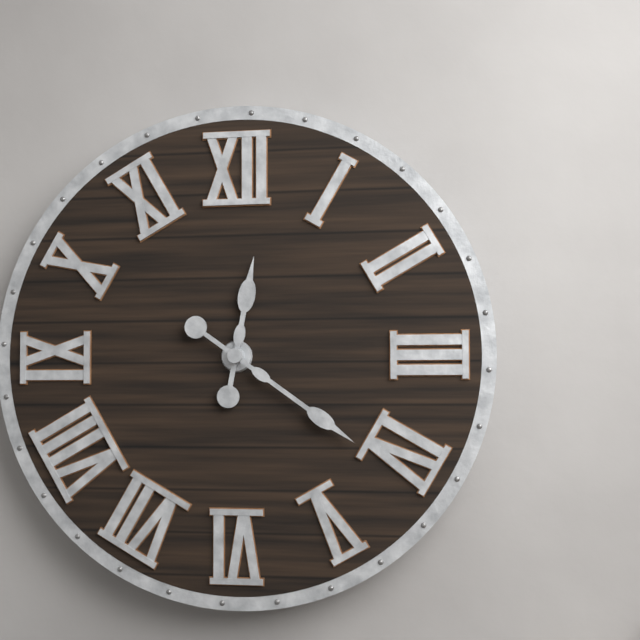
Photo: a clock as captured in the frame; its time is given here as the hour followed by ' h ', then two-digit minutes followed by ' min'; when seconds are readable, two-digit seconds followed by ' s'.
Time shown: 12 h 21 min
